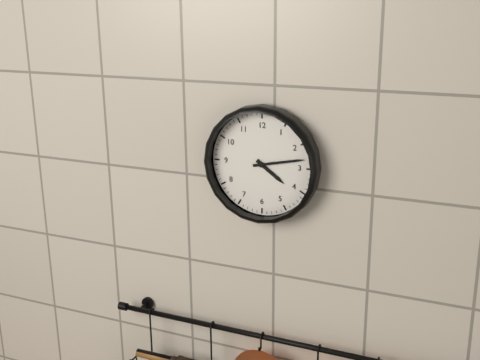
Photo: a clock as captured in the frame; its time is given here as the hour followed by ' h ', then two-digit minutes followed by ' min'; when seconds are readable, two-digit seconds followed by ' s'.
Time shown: 4 h 13 min
